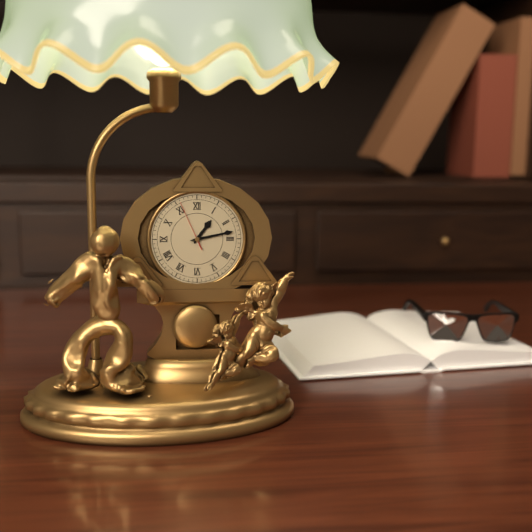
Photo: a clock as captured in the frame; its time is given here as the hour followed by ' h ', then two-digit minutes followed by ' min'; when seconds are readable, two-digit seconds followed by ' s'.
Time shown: 1 h 13 min 56 s
